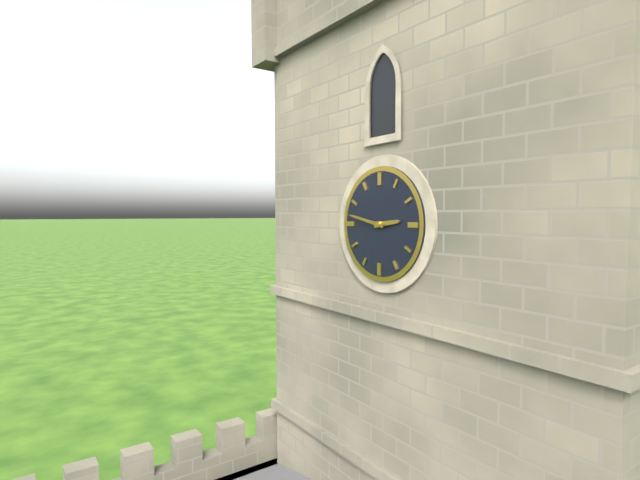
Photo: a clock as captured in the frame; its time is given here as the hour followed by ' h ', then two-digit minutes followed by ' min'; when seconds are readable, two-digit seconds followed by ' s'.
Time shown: 2 h 47 min
